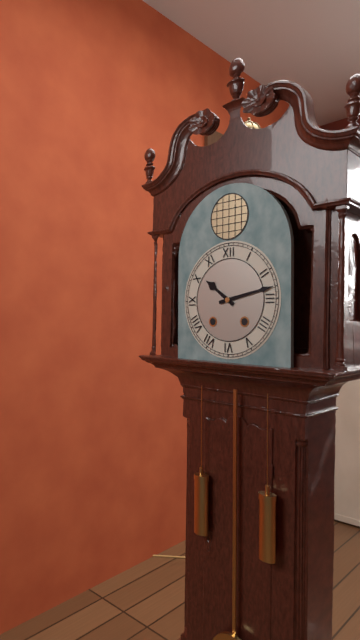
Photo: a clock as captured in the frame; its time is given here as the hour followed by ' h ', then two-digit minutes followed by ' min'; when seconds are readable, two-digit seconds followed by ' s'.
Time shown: 10 h 13 min
